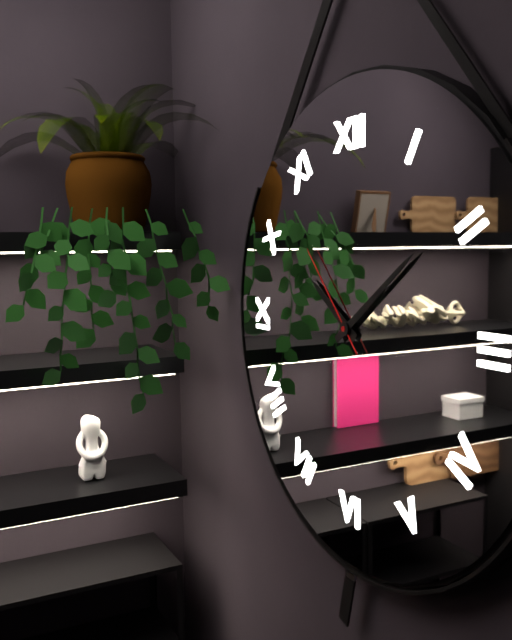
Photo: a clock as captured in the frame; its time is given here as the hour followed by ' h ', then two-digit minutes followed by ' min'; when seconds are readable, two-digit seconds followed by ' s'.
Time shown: 10 h 09 min 53 s
